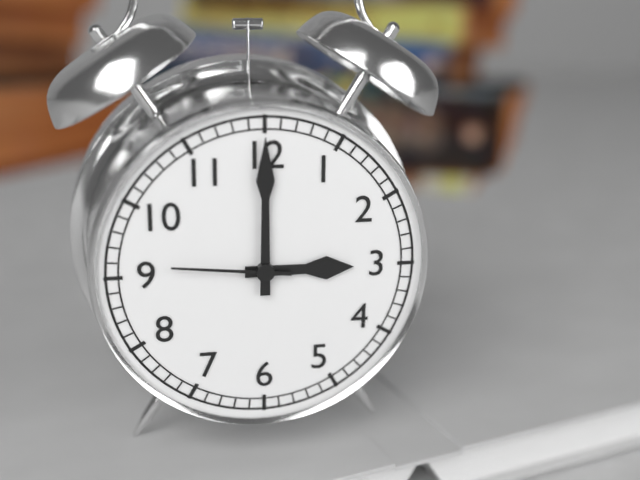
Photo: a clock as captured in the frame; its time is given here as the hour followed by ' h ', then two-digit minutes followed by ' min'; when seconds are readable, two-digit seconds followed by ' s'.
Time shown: 3 h 00 min 46 s
